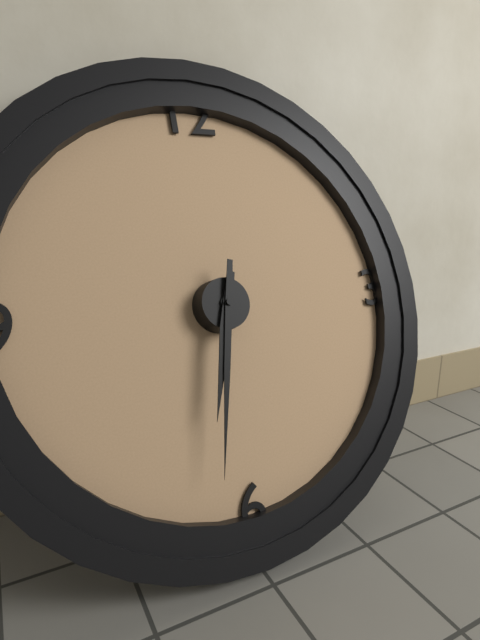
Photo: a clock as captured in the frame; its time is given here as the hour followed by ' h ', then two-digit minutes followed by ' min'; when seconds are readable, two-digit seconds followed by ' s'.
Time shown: 6 h 32 min
